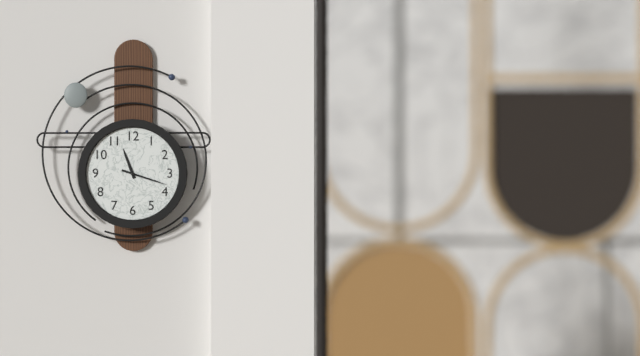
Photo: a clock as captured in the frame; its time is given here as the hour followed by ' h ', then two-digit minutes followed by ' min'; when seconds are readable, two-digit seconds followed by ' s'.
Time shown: 11 h 18 min
